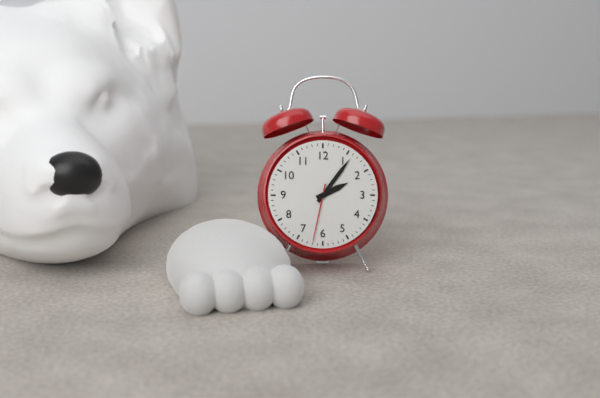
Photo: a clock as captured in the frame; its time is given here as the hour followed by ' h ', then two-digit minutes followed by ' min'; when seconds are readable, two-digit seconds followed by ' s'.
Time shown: 2 h 06 min 32 s
